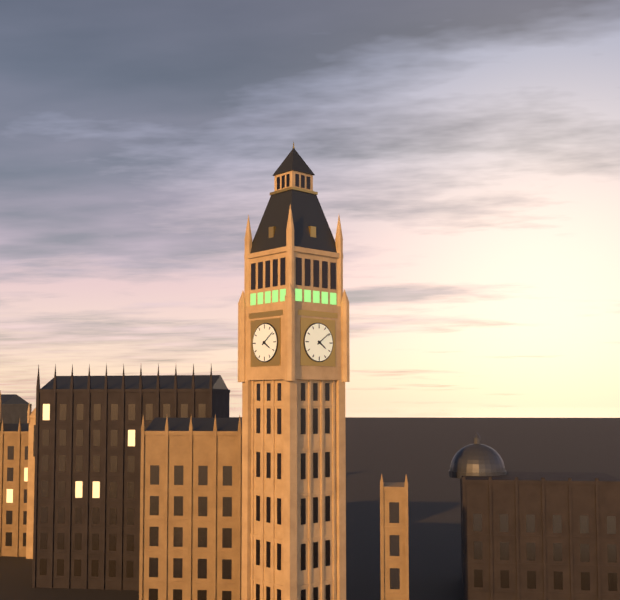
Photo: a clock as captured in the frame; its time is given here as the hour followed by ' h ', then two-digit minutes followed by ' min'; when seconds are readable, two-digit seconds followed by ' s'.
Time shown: 4 h 09 min
